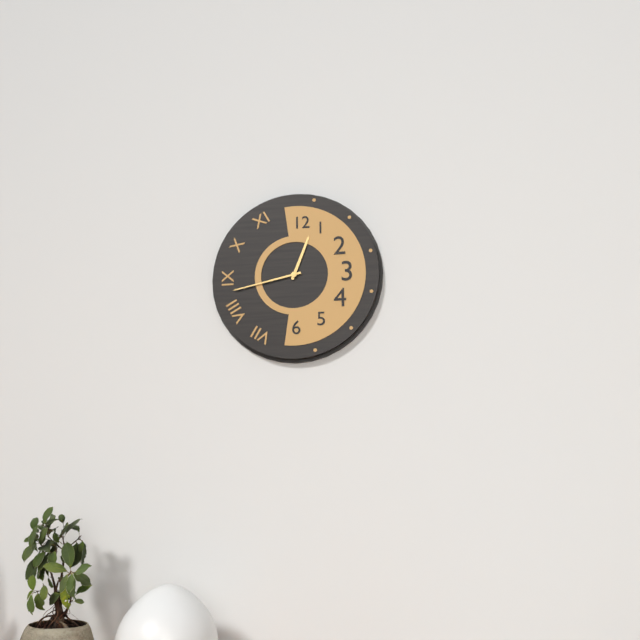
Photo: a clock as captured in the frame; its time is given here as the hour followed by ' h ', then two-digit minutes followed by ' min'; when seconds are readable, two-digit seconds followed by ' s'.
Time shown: 12 h 43 min
